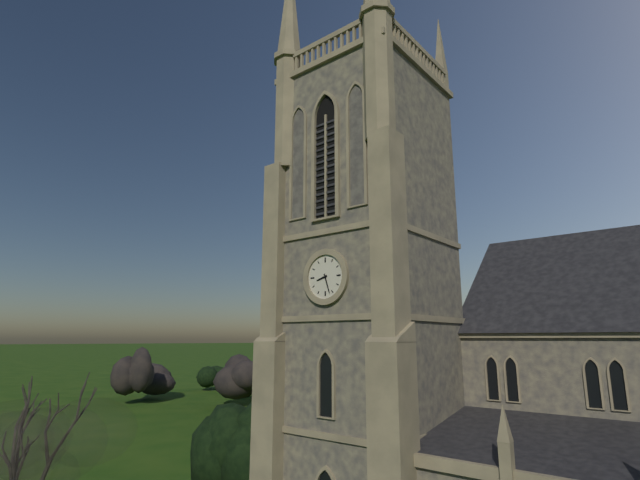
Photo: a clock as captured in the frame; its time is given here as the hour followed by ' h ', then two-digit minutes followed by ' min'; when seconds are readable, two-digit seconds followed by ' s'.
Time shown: 8 h 27 min
